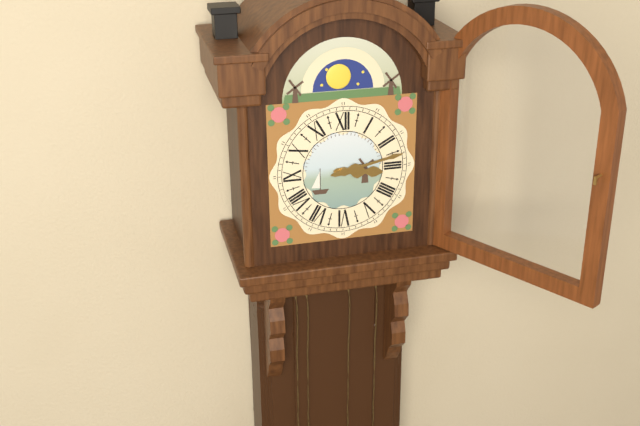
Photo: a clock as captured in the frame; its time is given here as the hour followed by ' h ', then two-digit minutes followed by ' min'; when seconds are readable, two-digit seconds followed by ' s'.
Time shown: 3 h 13 min
